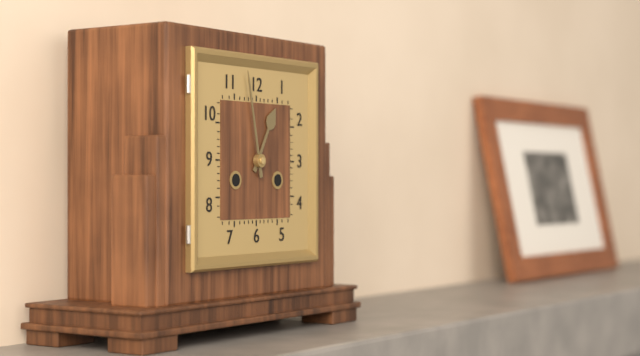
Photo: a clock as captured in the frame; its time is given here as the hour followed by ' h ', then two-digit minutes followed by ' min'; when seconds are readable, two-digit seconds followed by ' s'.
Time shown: 12 h 58 min
